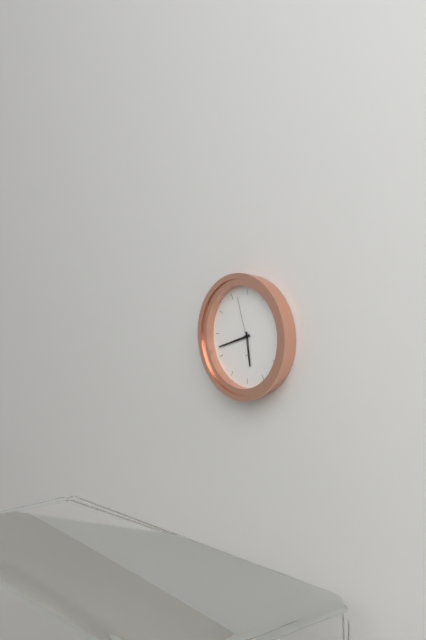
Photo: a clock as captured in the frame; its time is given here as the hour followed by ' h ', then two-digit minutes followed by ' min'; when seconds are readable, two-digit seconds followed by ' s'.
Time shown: 5 h 42 min 57 s
